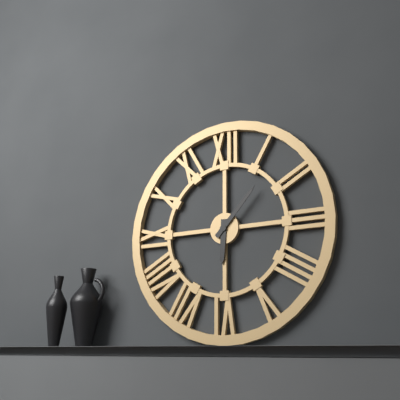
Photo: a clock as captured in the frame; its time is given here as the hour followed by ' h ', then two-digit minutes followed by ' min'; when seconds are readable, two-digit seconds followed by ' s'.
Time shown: 6 h 07 min
